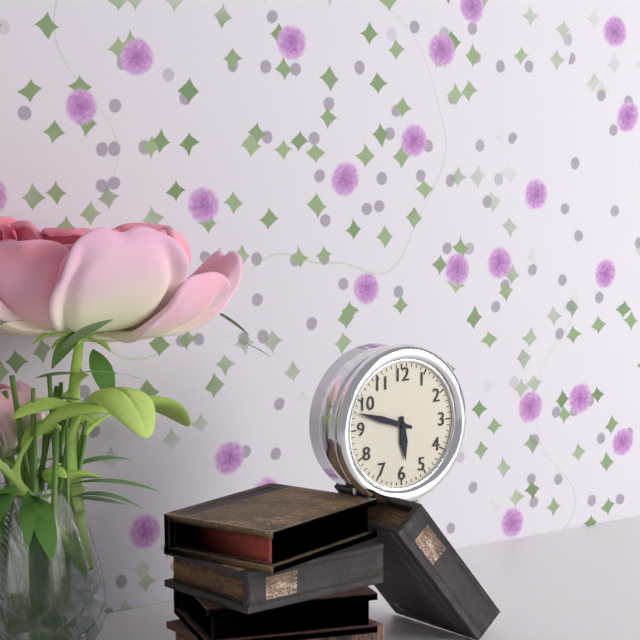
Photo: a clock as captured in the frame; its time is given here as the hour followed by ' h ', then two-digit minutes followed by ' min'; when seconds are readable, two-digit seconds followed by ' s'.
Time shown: 5 h 48 min
